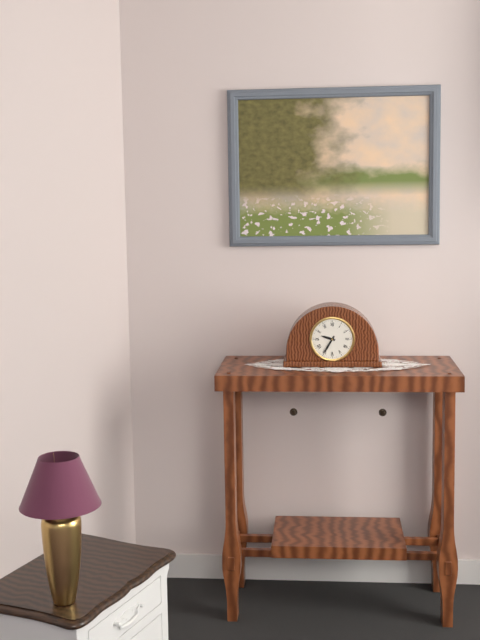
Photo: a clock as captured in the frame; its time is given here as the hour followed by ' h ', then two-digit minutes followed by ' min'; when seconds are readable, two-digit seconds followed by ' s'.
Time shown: 9 h 35 min
